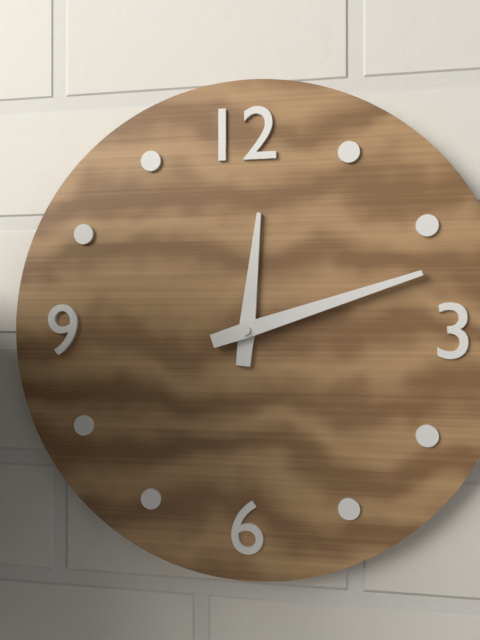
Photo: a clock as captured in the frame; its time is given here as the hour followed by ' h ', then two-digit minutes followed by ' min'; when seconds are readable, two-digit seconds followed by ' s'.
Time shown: 12 h 12 min
